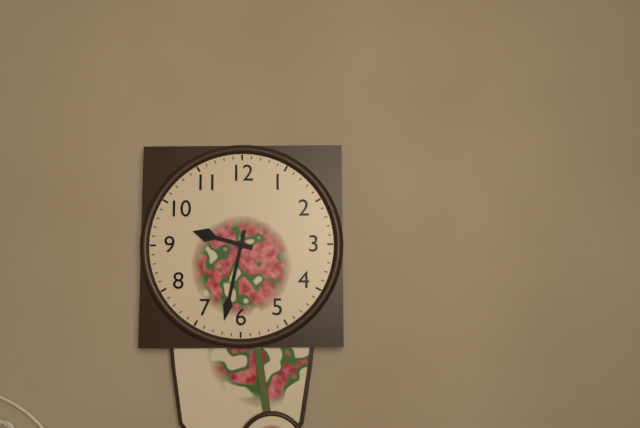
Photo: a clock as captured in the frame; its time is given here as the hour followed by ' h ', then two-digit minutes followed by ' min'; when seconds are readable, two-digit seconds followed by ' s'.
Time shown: 9 h 32 min
